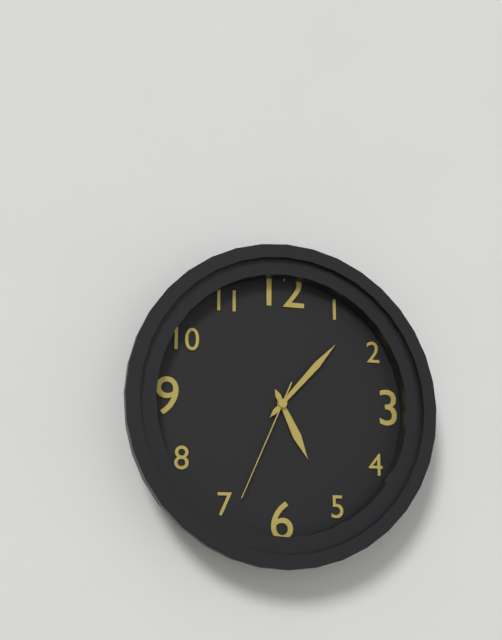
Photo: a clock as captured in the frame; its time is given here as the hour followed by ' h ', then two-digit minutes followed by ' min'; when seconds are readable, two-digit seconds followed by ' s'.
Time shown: 5 h 07 min 34 s
